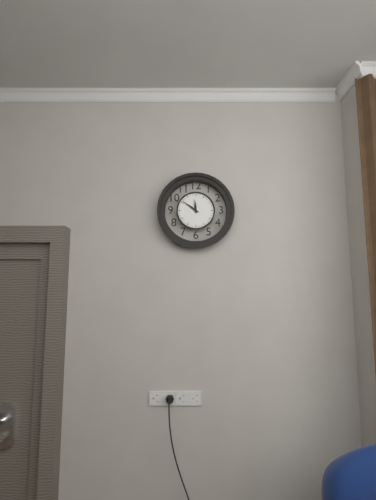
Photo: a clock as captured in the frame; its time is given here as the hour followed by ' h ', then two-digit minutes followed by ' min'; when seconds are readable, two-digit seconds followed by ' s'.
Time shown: 11 h 51 min
